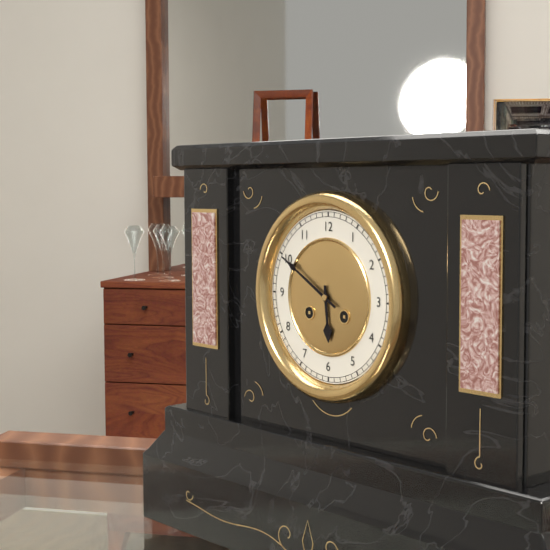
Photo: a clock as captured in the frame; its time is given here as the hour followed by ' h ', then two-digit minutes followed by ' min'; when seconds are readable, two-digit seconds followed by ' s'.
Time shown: 5 h 50 min
